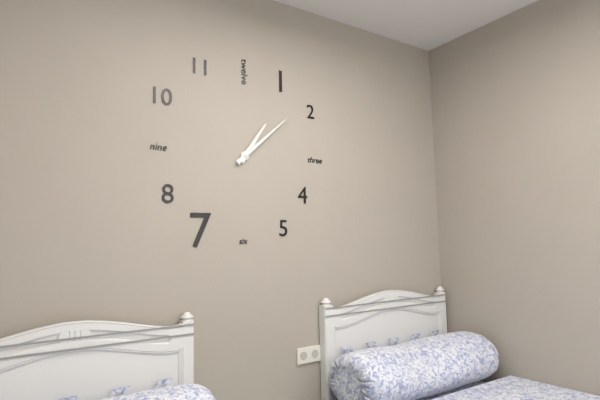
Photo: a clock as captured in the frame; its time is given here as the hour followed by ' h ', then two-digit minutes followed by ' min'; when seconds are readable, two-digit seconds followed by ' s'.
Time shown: 1 h 08 min
